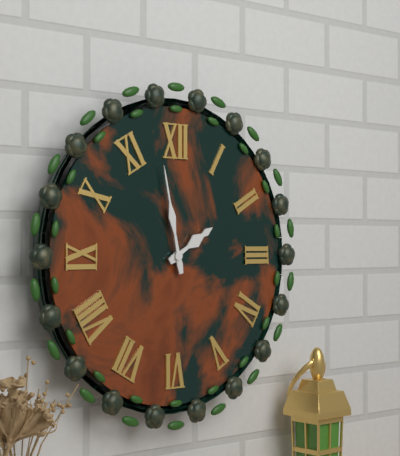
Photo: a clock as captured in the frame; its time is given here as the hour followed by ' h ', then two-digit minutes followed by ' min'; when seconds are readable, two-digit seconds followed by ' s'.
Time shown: 1 h 58 min
